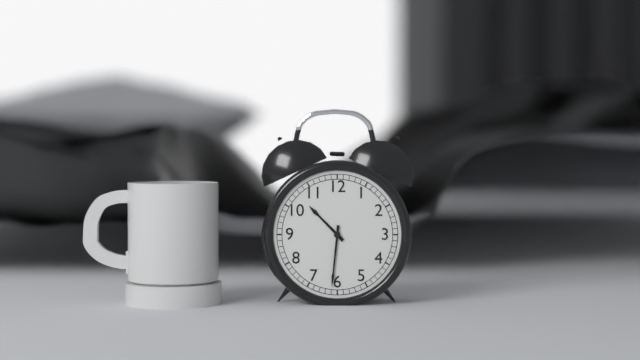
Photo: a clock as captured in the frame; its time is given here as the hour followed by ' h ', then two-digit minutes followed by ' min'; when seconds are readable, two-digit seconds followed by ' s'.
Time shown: 10 h 31 min
